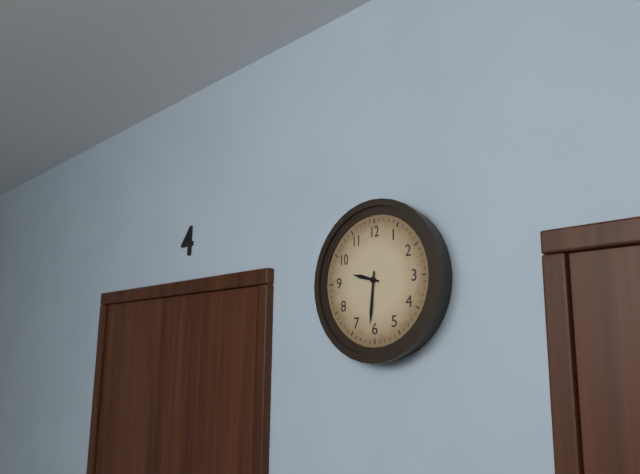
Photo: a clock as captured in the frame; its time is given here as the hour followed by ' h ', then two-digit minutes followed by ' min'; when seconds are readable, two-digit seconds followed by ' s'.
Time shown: 9 h 31 min
